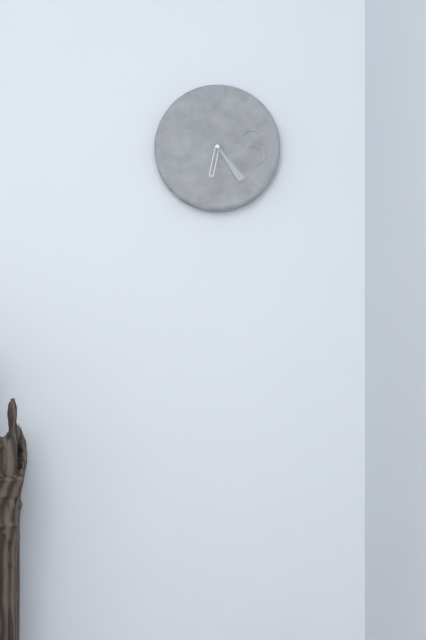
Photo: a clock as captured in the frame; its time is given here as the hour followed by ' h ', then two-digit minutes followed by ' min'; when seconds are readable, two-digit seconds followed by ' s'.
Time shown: 6 h 24 min
